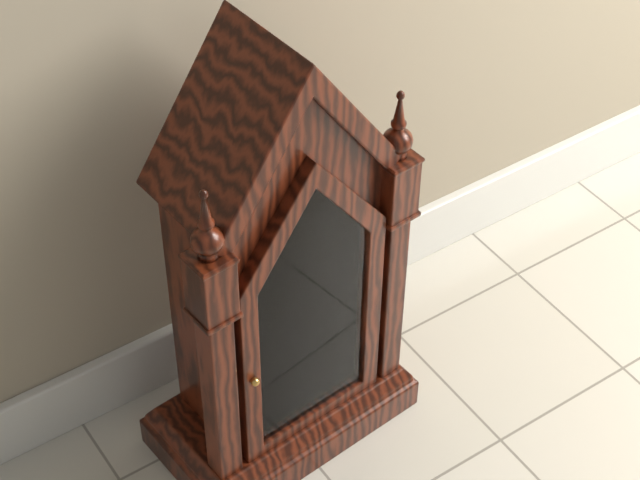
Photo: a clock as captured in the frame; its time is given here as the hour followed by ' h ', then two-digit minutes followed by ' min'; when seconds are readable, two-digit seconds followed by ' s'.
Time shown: 9 h 29 min
